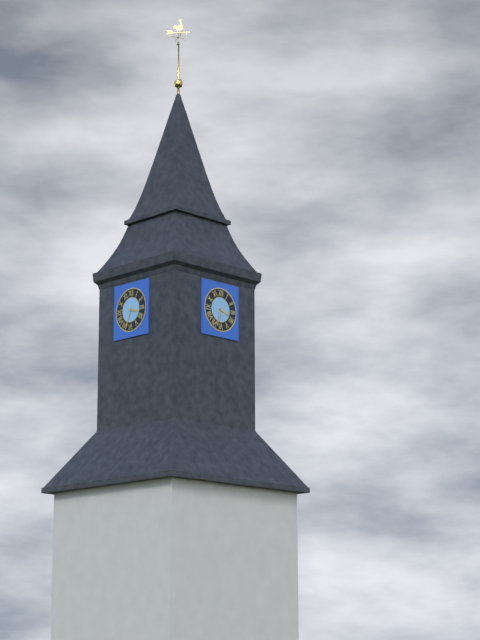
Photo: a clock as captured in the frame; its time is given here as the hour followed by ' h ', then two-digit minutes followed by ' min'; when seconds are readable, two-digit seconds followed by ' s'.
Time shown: 3 h 33 min
